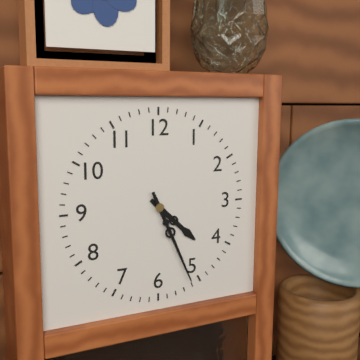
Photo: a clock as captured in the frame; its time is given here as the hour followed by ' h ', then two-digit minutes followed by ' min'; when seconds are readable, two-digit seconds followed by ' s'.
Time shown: 4 h 26 min
